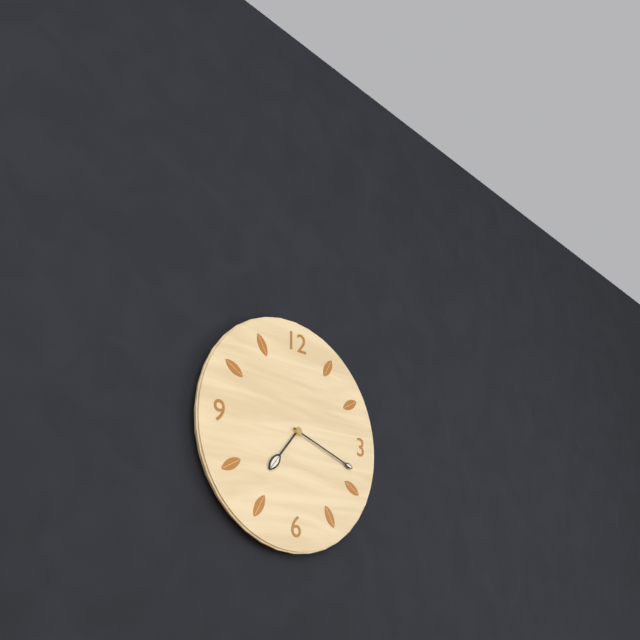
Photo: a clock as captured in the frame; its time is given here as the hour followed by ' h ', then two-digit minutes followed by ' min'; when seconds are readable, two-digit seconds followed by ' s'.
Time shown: 7 h 18 min
